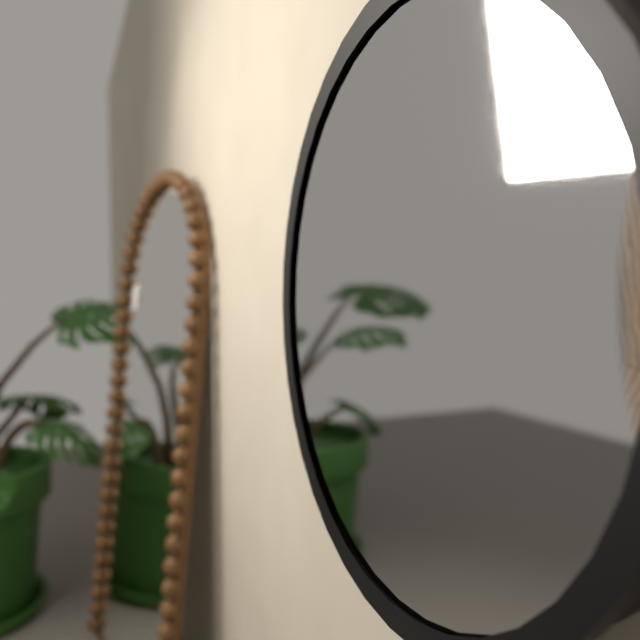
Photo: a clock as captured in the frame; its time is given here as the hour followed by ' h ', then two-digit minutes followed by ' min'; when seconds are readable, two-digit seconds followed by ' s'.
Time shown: 10 h 00 min
